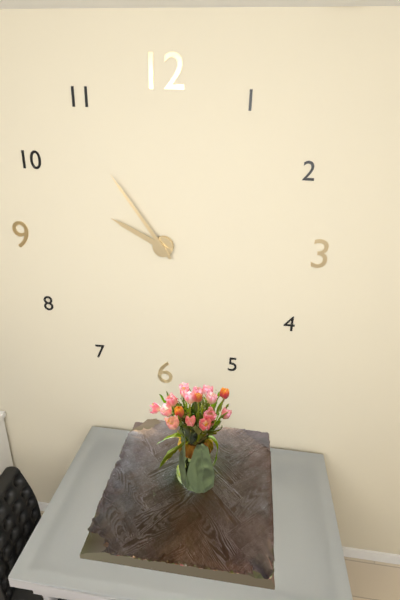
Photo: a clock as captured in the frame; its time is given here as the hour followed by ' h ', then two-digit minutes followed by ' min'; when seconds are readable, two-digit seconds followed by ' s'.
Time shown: 9 h 54 min
